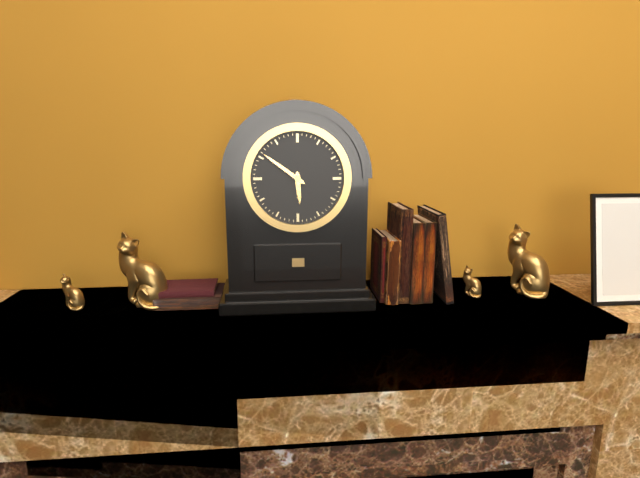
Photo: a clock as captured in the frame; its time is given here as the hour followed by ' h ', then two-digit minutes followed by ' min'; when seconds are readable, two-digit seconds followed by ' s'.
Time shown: 5 h 51 min
